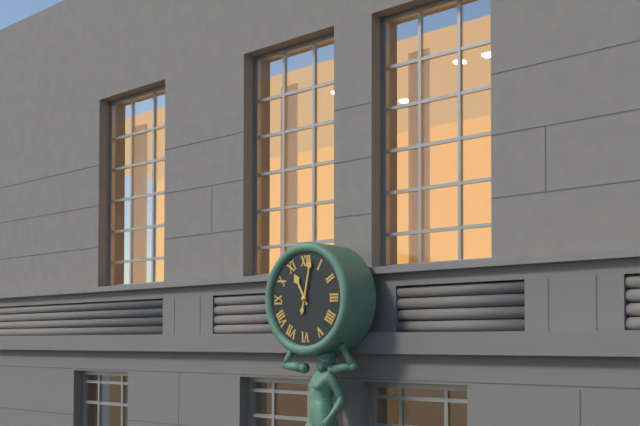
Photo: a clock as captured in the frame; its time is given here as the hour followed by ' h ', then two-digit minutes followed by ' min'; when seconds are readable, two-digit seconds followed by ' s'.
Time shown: 11 h 02 min
